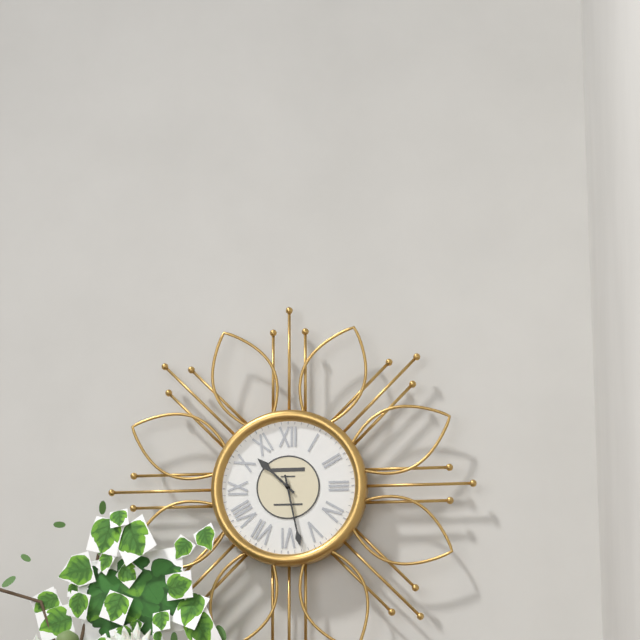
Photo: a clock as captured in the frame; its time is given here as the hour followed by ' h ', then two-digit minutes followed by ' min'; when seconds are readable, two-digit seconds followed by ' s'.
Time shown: 10 h 28 min
